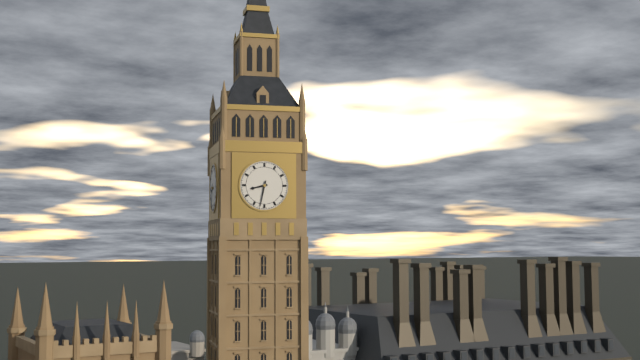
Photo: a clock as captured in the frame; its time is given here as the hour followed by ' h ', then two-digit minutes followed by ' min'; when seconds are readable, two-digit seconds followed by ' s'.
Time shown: 8 h 32 min
